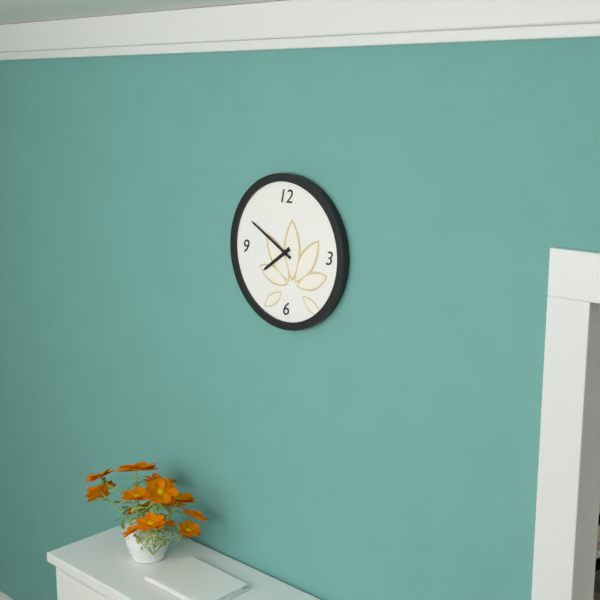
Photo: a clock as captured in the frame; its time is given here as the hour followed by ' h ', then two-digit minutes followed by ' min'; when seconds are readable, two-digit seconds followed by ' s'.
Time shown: 7 h 50 min
